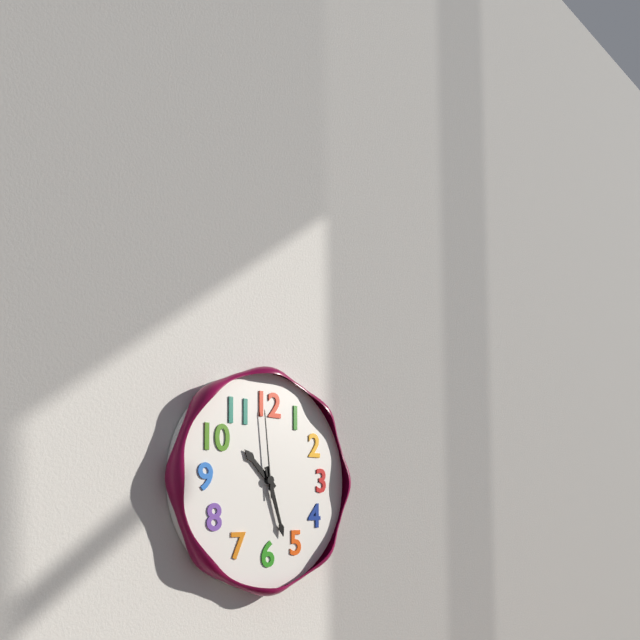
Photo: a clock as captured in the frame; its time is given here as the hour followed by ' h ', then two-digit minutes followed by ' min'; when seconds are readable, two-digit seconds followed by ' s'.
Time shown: 10 h 27 min 59 s
